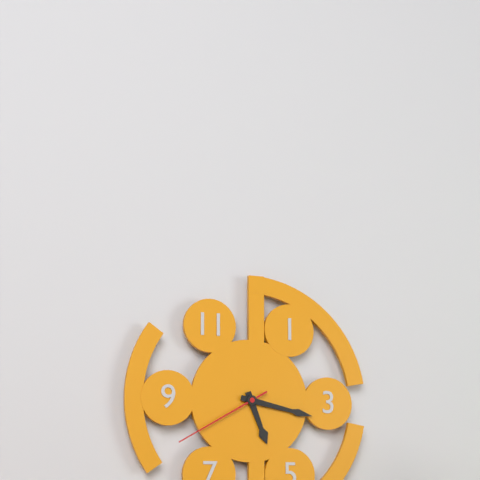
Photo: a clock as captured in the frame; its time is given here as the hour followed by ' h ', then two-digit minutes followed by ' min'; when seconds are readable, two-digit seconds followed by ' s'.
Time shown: 5 h 17 min 40 s
